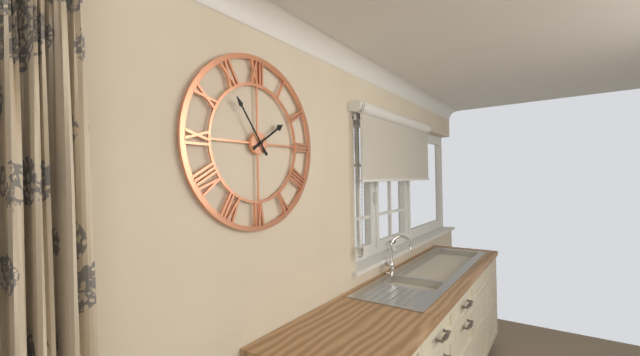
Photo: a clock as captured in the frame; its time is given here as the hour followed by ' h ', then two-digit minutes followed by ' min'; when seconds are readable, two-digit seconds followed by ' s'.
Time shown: 1 h 54 min
